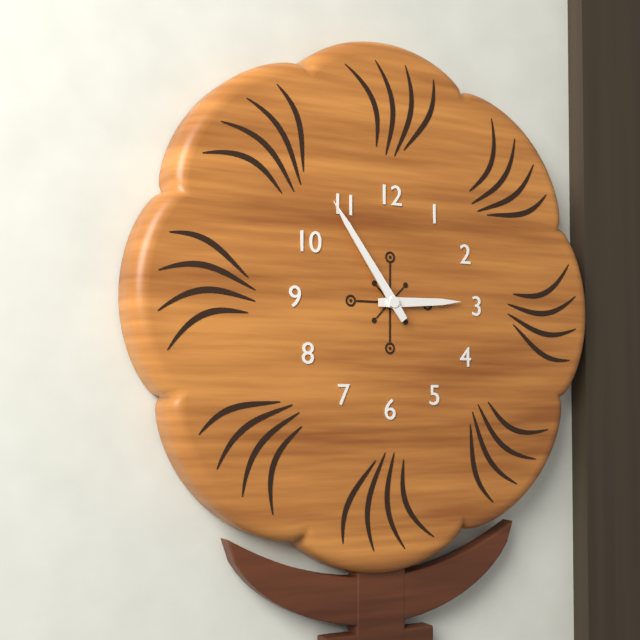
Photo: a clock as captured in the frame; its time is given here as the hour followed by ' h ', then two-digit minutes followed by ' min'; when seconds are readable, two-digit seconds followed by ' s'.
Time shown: 2 h 54 min
